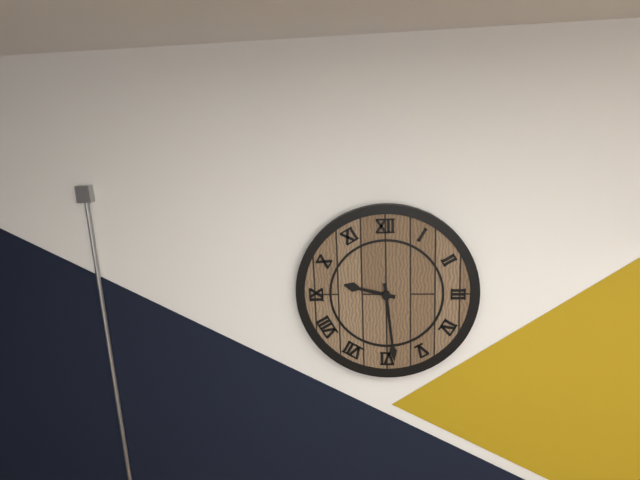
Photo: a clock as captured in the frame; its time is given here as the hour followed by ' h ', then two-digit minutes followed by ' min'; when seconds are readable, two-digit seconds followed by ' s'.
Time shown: 9 h 29 min
